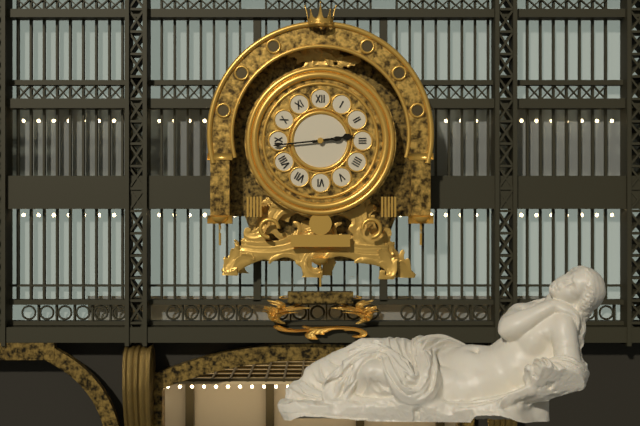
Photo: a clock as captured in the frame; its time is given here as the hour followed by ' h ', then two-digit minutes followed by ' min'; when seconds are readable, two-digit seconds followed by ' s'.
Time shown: 2 h 44 min
